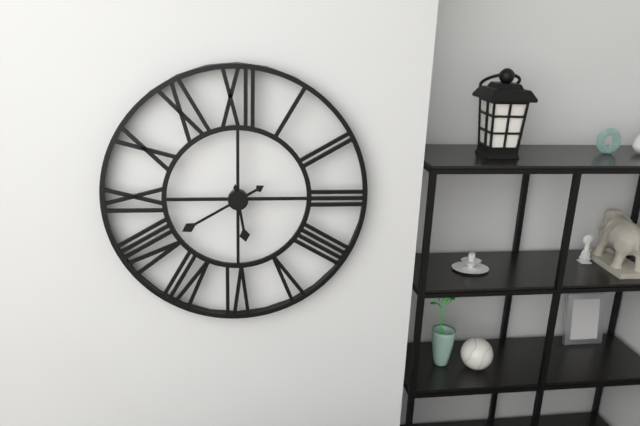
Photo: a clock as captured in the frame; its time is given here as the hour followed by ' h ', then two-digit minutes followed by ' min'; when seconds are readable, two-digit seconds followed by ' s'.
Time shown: 5 h 40 min
